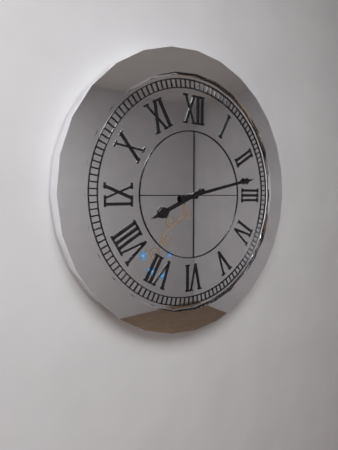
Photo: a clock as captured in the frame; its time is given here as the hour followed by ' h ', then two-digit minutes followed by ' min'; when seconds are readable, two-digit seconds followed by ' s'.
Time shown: 8 h 13 min
